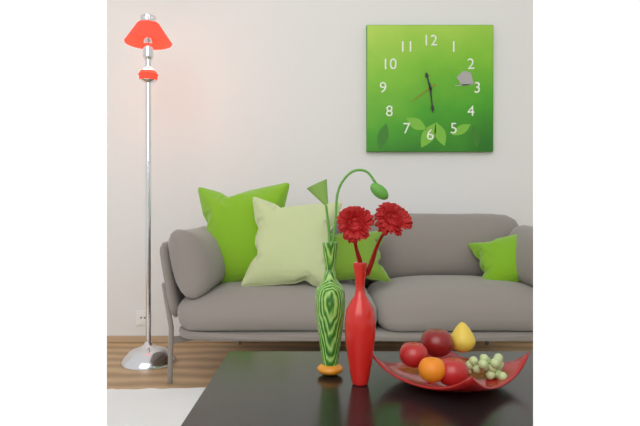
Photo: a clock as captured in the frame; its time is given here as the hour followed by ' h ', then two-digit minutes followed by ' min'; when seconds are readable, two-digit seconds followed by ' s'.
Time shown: 11 h 29 min
